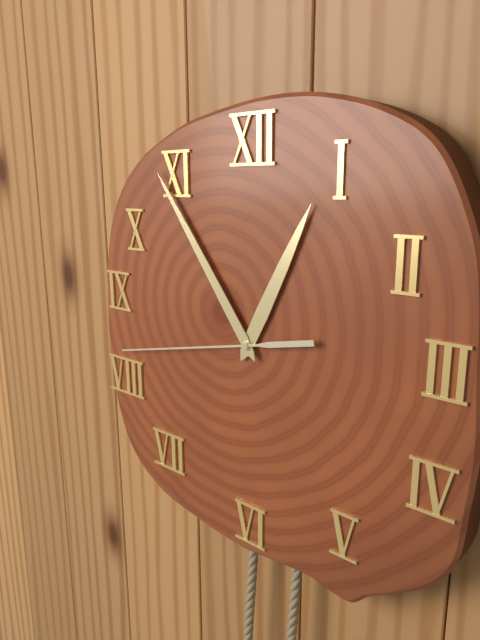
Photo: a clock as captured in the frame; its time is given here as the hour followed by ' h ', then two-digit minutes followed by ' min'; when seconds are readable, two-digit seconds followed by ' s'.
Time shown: 12 h 54 min 43 s
